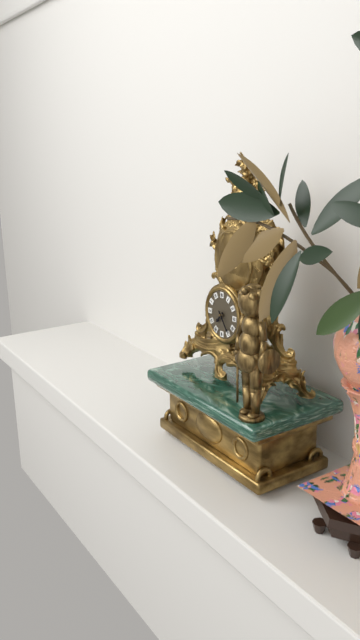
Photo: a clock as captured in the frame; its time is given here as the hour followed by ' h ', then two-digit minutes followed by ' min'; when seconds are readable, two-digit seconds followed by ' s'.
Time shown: 7 h 24 min
